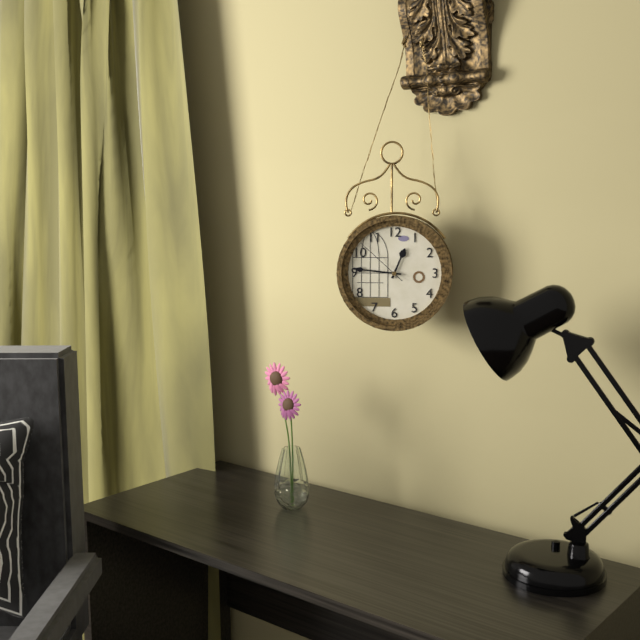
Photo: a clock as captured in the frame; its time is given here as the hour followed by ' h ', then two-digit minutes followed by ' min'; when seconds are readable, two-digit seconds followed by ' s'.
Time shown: 12 h 46 min 52 s
